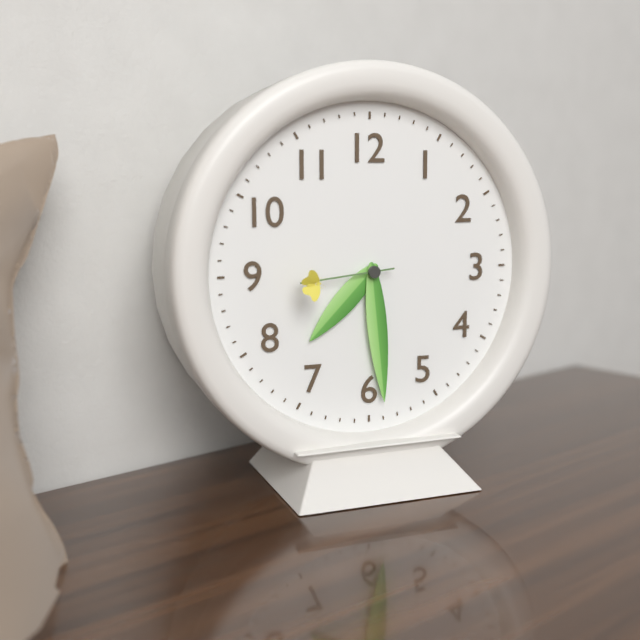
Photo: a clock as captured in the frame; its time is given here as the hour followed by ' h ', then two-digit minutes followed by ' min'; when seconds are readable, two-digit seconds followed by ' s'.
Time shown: 7 h 29 min 44 s
